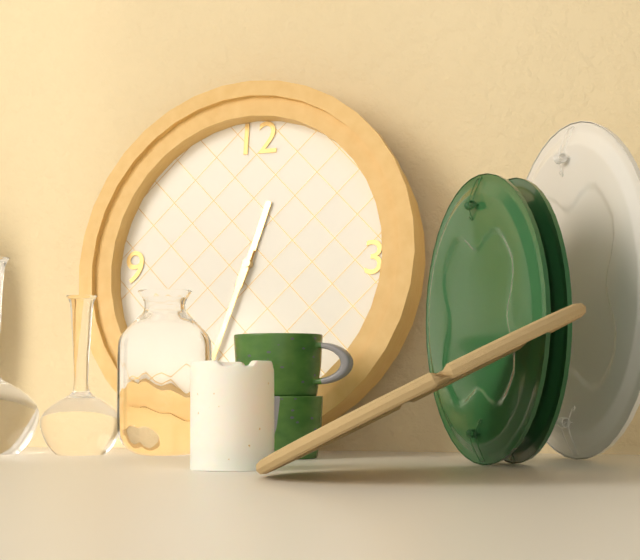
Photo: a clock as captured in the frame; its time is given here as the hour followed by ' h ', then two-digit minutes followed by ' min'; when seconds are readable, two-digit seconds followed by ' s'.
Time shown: 12 h 33 min
